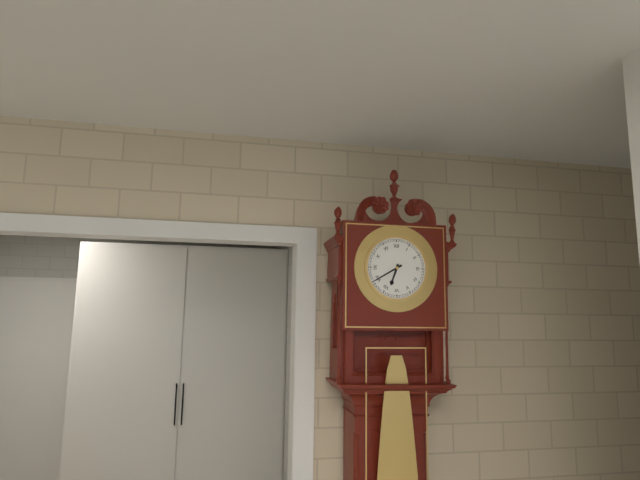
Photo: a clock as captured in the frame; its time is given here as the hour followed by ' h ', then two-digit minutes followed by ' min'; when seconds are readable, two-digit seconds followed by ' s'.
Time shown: 6 h 40 min
